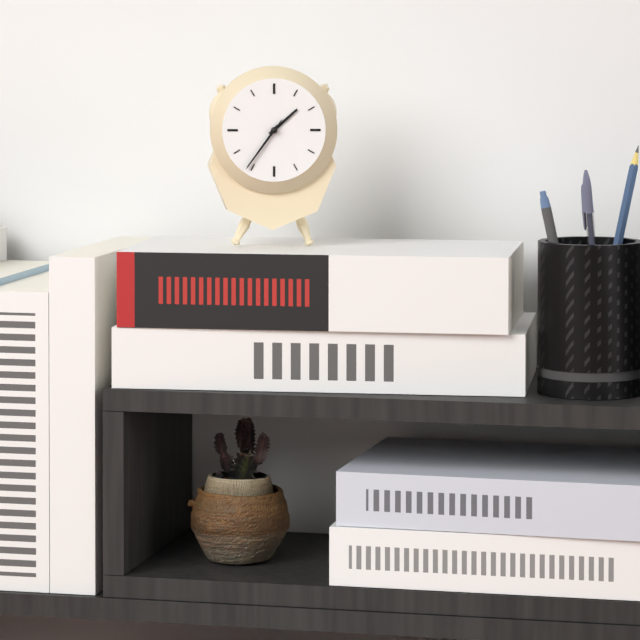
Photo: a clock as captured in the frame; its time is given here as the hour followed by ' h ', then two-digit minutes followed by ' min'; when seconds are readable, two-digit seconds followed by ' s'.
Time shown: 1 h 36 min 36 s
